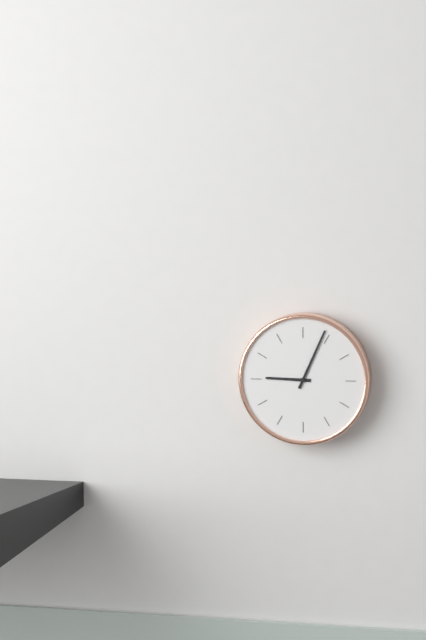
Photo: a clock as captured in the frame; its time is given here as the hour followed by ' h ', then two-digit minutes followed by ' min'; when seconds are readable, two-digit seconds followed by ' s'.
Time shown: 9 h 04 min
